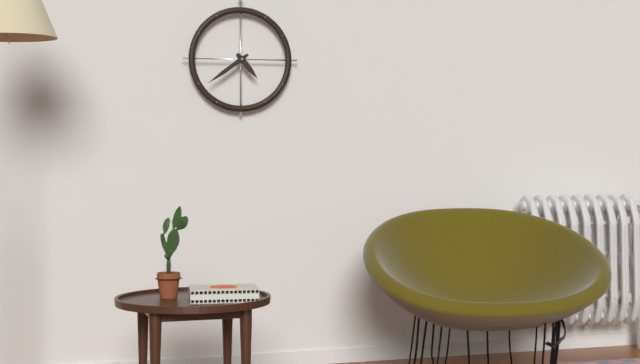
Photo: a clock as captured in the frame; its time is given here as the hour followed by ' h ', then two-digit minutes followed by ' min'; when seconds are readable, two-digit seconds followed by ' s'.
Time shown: 4 h 39 min
